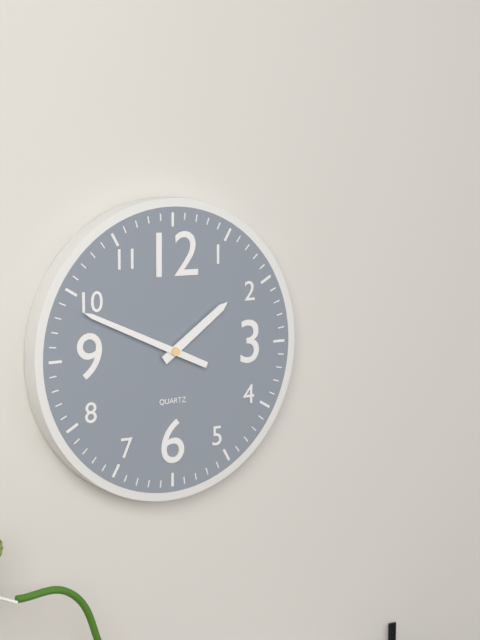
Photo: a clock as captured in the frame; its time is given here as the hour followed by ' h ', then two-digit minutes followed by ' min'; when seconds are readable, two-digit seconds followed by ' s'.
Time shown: 1 h 49 min
